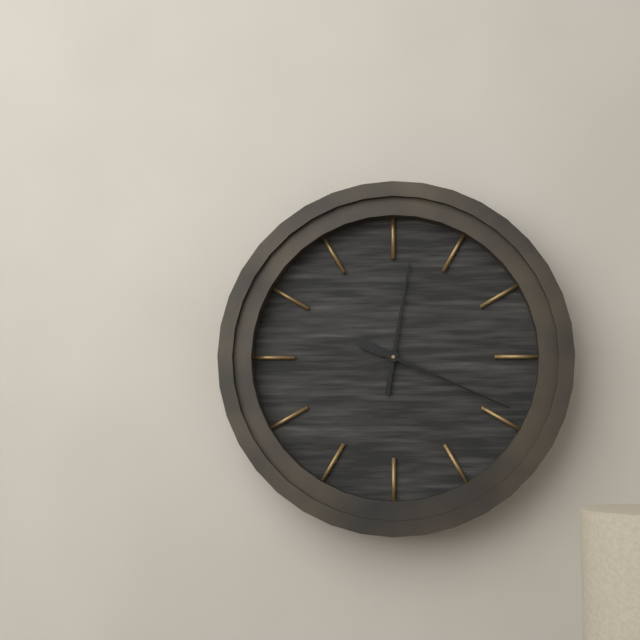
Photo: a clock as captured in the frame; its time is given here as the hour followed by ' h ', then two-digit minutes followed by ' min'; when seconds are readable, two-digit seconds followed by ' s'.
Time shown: 12 h 19 min
